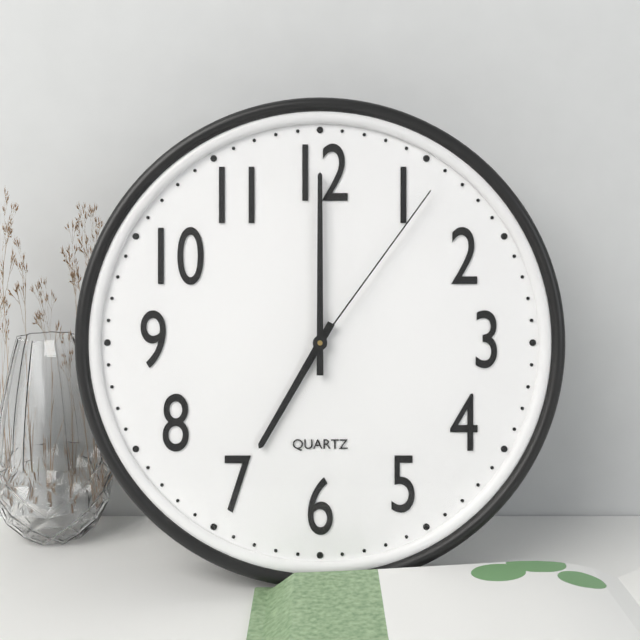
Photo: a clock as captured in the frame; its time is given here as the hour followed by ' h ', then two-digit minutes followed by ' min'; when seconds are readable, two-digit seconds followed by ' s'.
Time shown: 7 h 00 min 06 s
